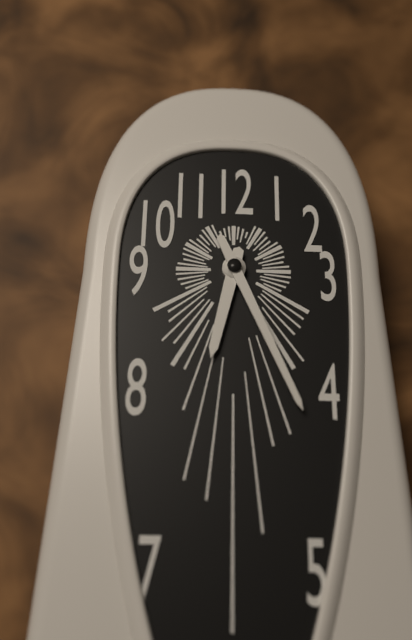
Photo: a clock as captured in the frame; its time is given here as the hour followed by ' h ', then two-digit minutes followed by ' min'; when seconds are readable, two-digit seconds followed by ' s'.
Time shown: 6 h 26 min
